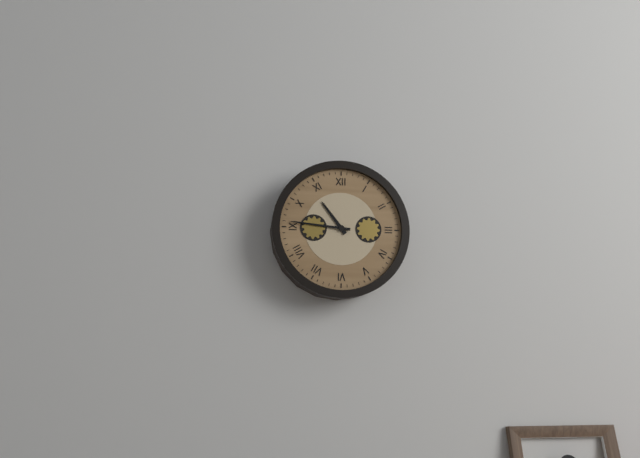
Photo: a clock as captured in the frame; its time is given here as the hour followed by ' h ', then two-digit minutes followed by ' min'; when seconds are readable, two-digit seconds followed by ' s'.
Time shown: 10 h 46 min
